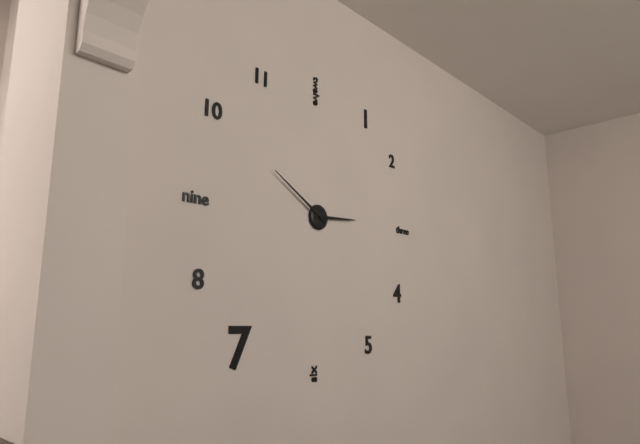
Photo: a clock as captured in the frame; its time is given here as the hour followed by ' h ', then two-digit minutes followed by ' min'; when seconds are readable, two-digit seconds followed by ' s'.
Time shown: 2 h 50 min
